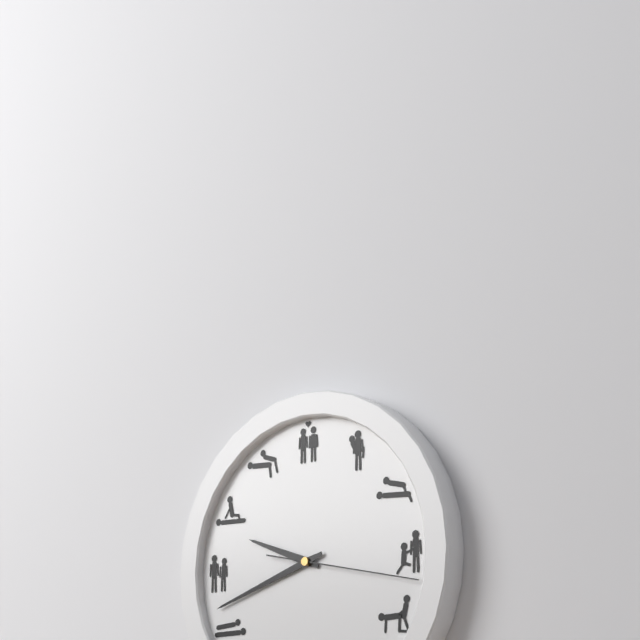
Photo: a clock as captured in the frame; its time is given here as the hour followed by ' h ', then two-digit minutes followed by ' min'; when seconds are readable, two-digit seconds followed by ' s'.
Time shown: 9 h 42 min 17 s
